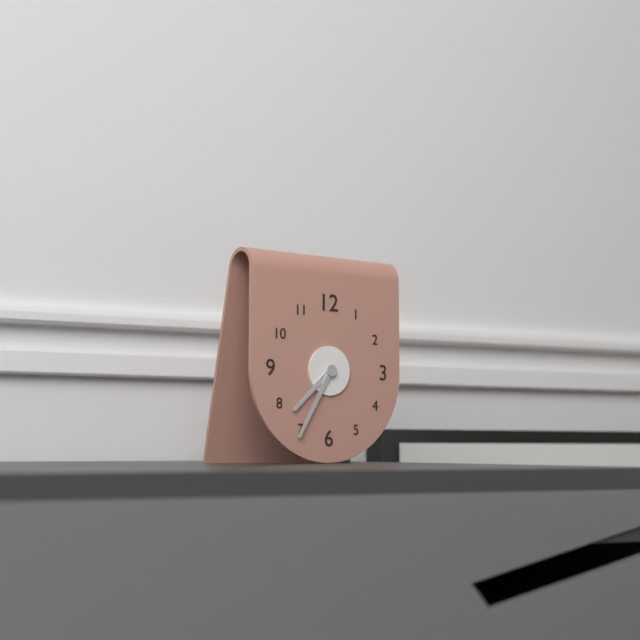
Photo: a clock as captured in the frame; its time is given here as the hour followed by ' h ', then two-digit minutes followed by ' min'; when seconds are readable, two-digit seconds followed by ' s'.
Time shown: 7 h 35 min
